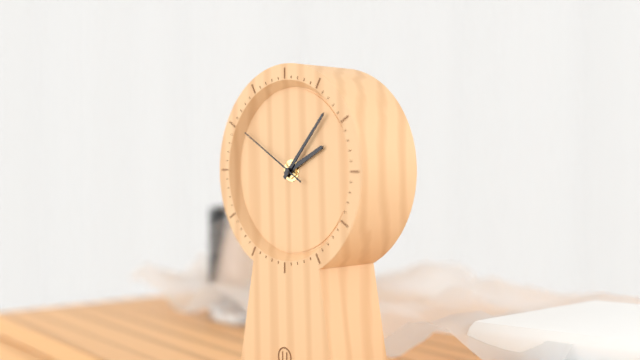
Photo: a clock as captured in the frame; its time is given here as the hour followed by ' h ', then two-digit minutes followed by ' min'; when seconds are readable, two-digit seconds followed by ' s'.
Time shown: 2 h 07 min 50 s
